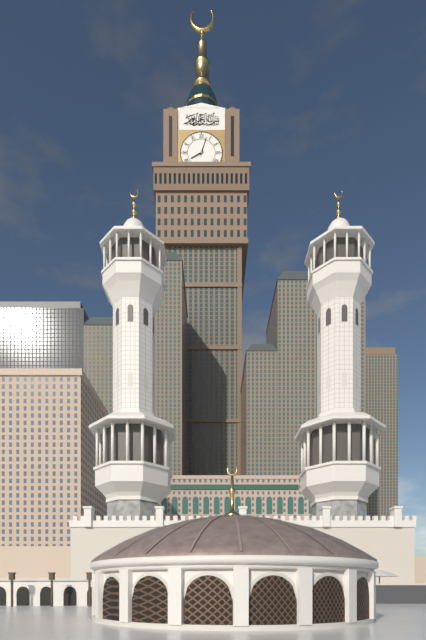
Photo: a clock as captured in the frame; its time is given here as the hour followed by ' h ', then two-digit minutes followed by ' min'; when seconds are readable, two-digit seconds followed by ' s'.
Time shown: 8 h 03 min
